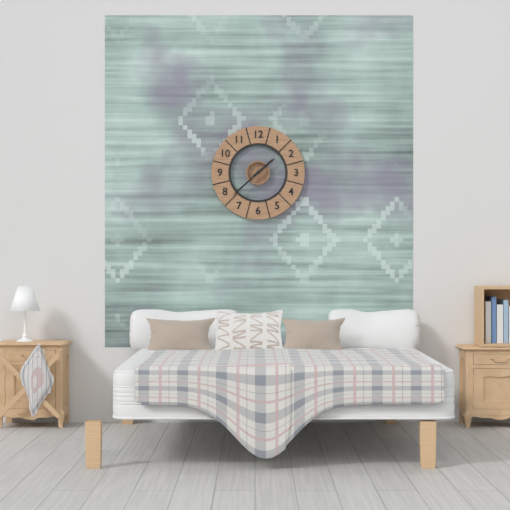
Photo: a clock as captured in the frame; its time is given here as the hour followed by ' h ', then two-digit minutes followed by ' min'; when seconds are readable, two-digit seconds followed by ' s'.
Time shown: 1 h 38 min
